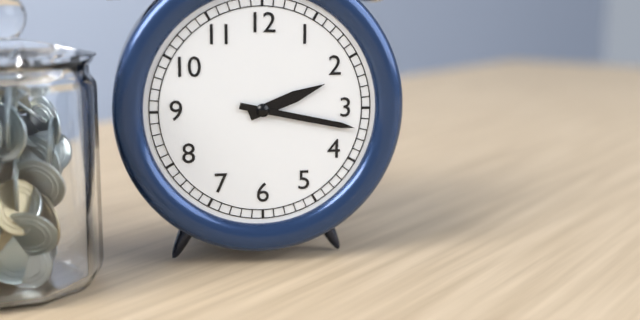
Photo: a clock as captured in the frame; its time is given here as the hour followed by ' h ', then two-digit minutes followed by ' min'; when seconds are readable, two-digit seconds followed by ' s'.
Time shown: 2 h 17 min
